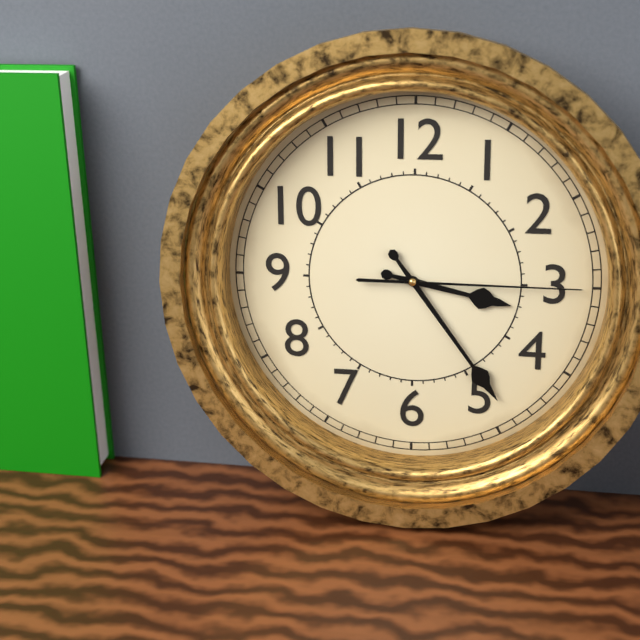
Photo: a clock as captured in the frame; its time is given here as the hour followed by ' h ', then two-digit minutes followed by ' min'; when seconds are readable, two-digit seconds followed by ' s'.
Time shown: 3 h 24 min 15 s
